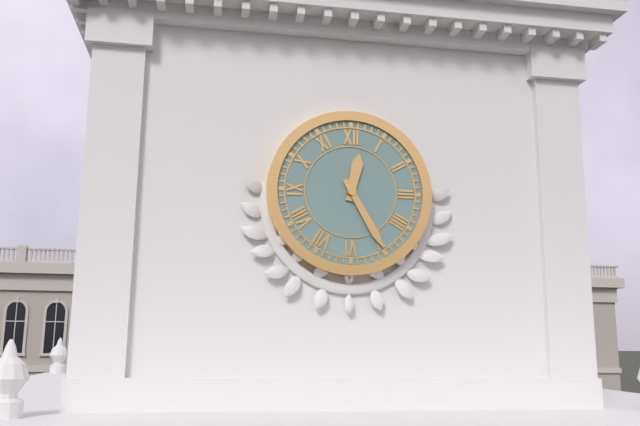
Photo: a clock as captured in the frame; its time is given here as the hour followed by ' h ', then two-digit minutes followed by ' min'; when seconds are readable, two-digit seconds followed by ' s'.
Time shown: 12 h 25 min
